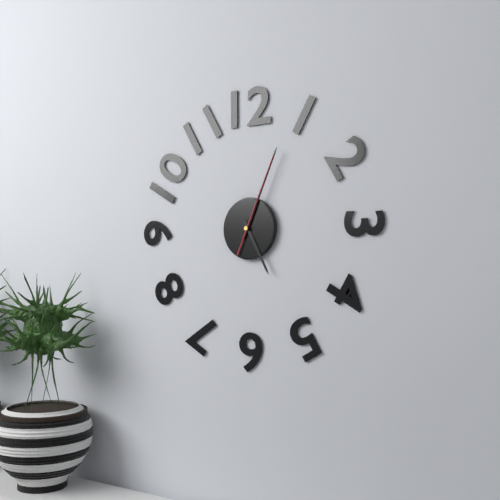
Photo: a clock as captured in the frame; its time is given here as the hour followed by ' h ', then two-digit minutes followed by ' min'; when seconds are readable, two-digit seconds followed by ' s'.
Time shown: 5 h 04 min 04 s
